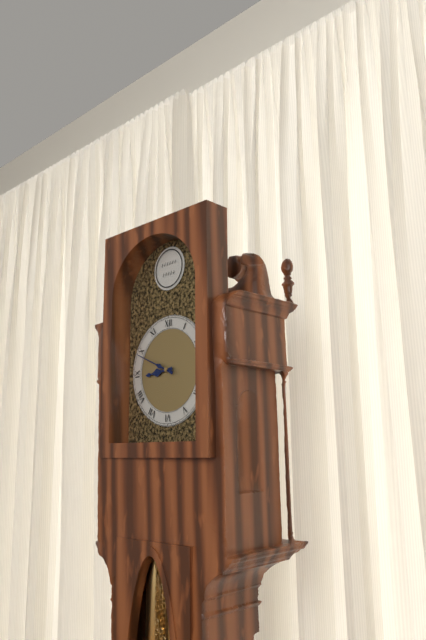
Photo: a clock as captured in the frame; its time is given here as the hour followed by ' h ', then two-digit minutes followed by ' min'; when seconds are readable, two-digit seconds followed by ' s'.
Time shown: 8 h 49 min
